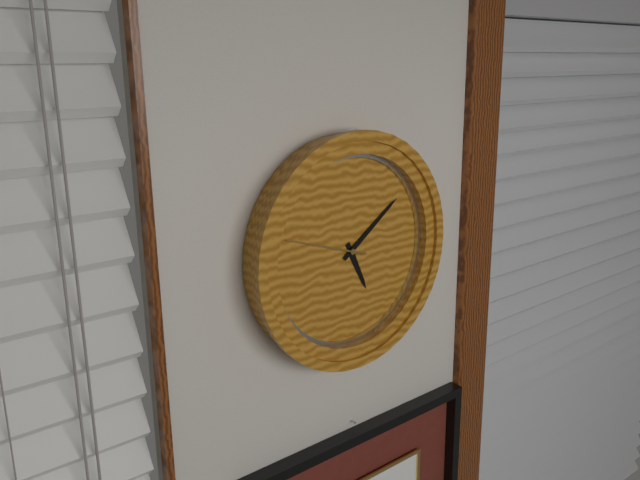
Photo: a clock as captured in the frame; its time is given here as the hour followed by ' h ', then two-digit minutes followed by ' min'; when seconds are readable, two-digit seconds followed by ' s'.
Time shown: 5 h 09 min 48 s
